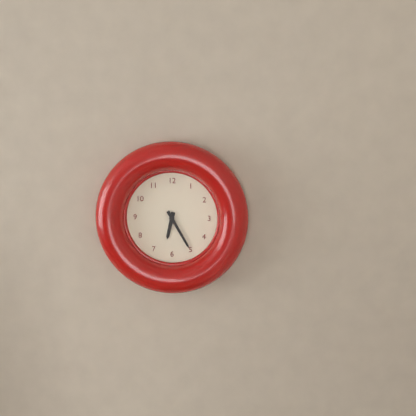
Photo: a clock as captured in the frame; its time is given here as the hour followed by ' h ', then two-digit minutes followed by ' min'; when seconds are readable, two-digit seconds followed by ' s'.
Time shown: 6 h 25 min
